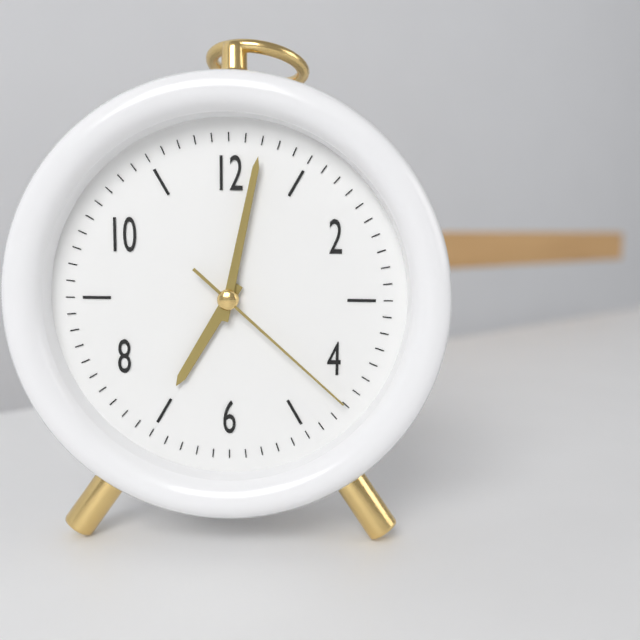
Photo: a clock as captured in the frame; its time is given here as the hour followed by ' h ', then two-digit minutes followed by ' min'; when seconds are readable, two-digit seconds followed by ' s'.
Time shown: 7 h 02 min 22 s
